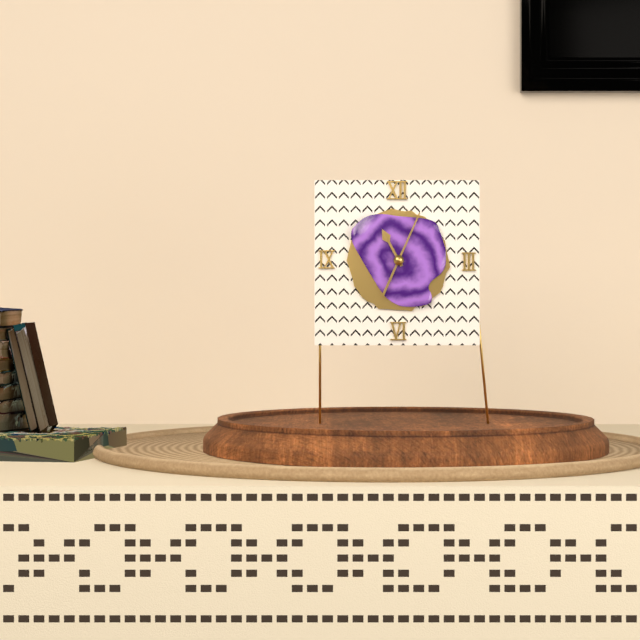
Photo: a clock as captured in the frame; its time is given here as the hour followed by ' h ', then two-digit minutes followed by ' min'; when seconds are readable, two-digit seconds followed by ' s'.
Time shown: 11 h 04 min
